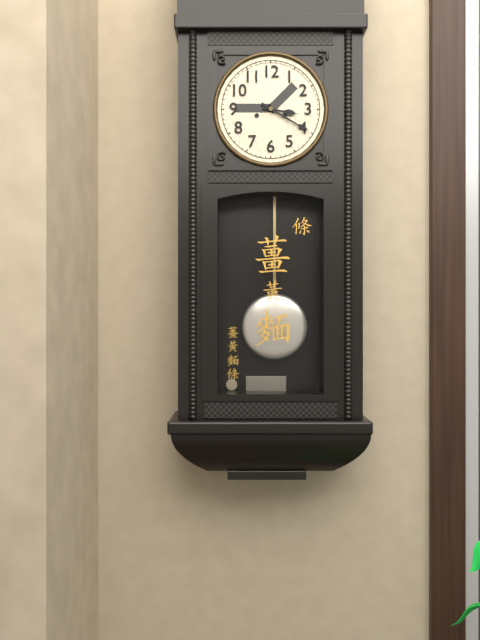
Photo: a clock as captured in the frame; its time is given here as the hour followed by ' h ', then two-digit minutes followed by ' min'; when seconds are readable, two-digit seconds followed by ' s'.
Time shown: 3 h 20 min
